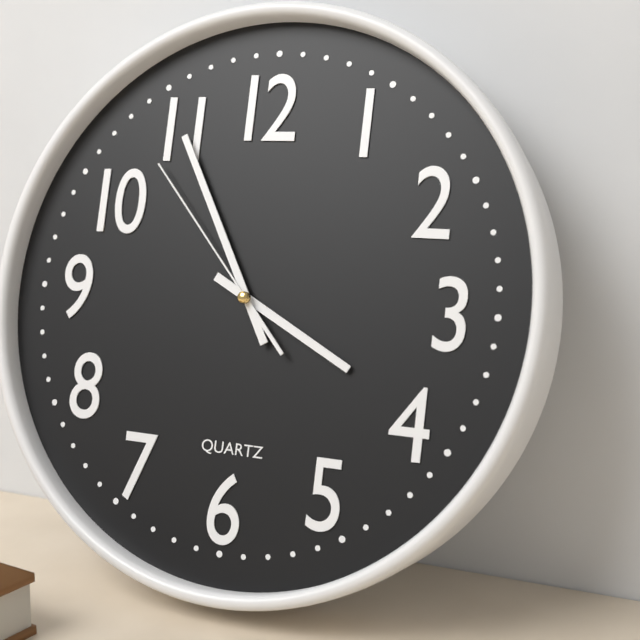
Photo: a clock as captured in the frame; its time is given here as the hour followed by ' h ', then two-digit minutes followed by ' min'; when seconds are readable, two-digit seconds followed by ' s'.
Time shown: 3 h 55 min 53 s
